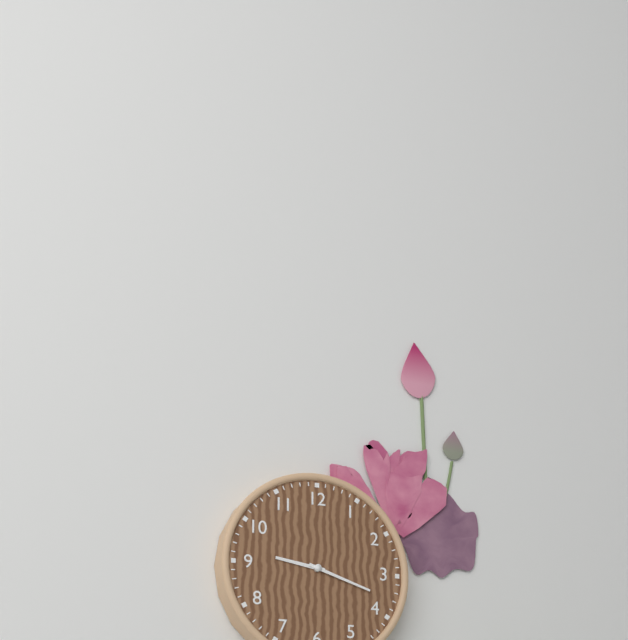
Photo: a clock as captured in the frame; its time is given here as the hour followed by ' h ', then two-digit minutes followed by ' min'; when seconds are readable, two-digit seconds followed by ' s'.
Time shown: 9 h 18 min
